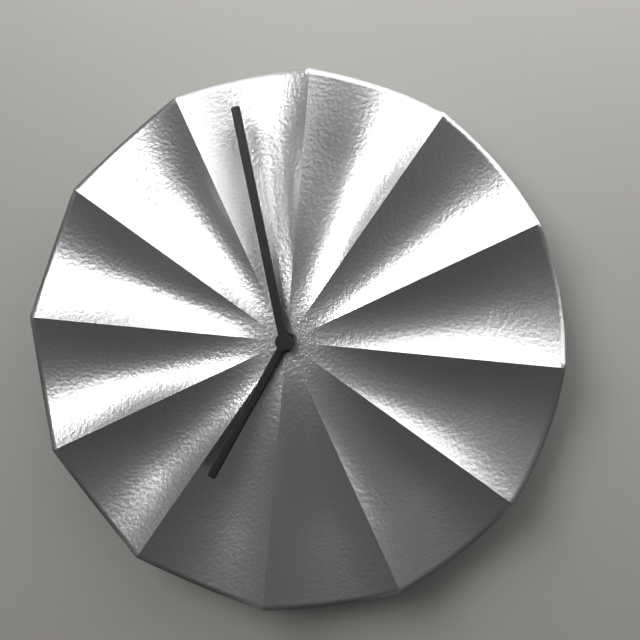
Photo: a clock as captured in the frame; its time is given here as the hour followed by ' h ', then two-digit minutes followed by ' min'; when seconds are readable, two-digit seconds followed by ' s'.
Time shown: 6 h 58 min
